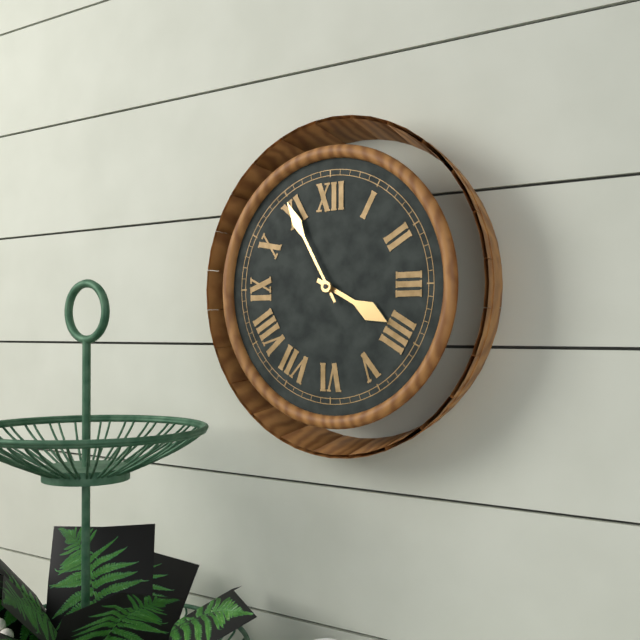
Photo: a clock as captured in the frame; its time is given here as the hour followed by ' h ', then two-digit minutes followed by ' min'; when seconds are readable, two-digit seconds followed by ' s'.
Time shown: 3 h 55 min
